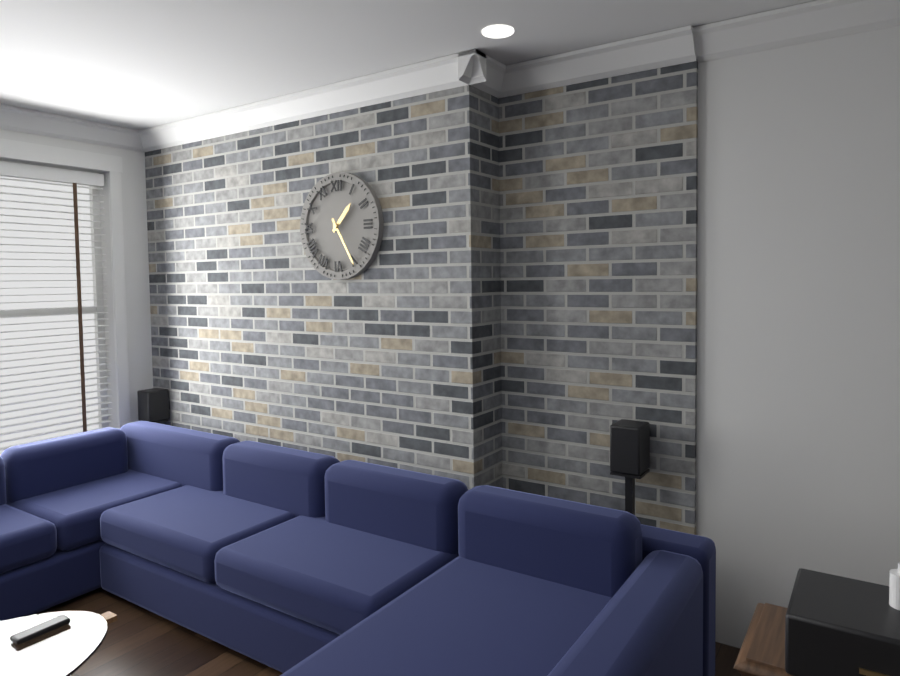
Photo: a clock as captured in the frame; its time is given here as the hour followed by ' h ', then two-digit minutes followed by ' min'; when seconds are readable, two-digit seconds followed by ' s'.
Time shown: 1 h 25 min
